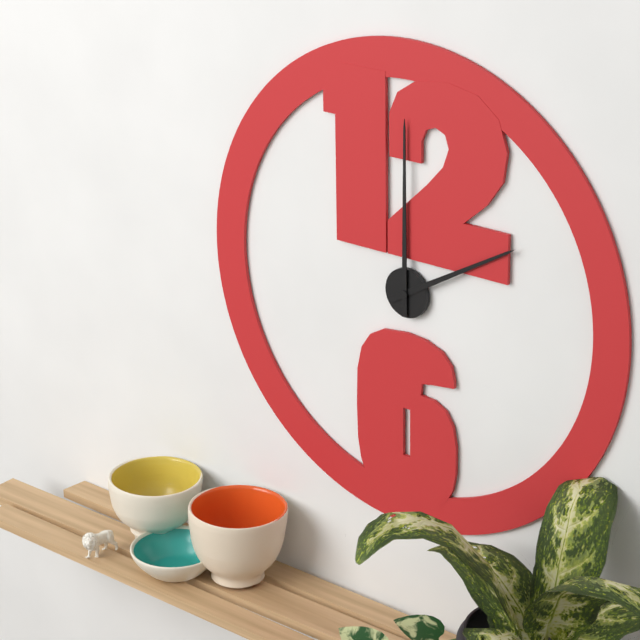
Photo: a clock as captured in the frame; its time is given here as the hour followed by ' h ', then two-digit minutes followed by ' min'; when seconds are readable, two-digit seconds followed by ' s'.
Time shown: 2 h 00 min
